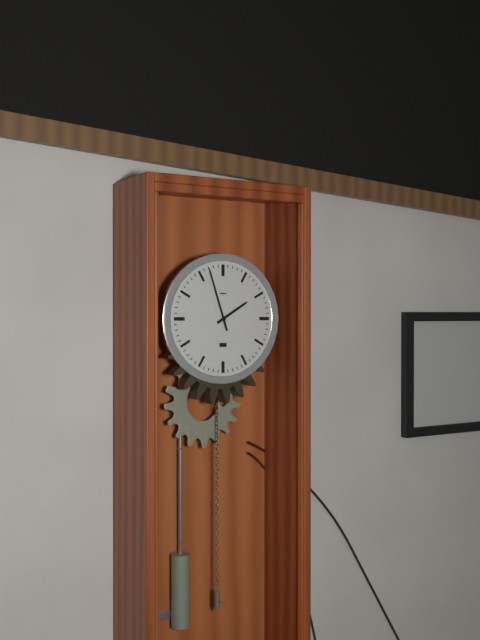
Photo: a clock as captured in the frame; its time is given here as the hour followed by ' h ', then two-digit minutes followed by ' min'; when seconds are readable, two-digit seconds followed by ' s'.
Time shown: 1 h 57 min
